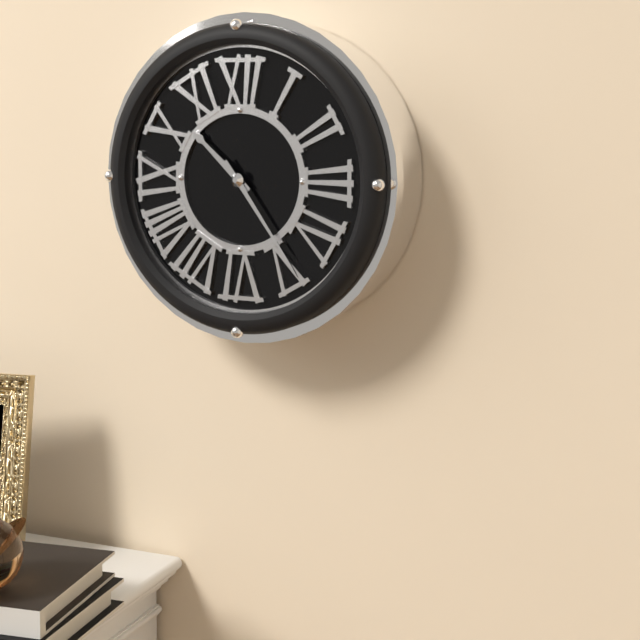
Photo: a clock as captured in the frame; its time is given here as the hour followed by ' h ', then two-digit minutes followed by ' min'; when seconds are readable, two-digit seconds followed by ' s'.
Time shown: 10 h 24 min
